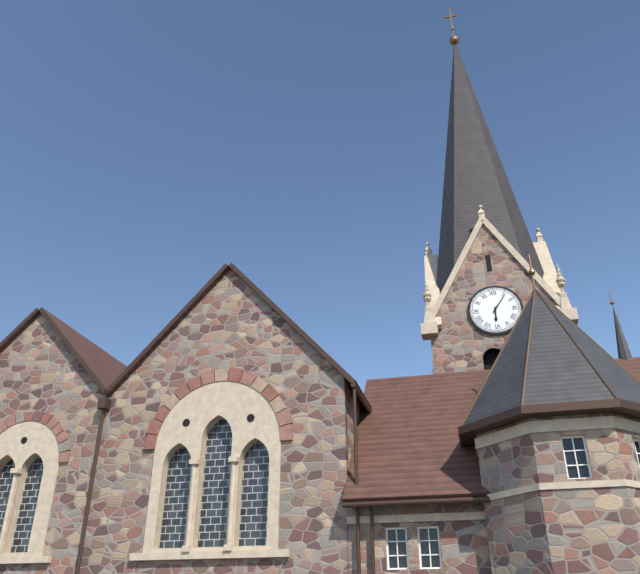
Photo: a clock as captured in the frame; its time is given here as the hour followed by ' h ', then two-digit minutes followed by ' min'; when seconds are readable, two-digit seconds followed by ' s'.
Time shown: 6 h 06 min
